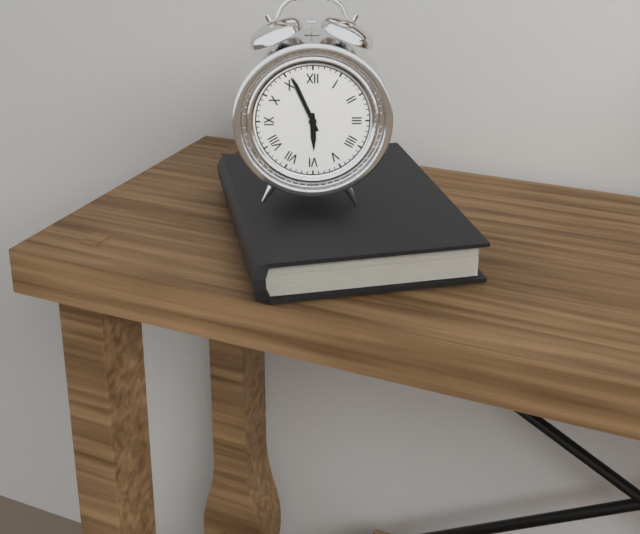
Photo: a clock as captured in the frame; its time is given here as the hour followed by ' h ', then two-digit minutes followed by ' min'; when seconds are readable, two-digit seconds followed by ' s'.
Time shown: 5 h 56 min
